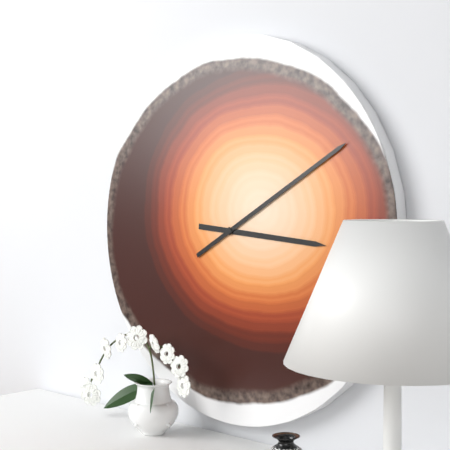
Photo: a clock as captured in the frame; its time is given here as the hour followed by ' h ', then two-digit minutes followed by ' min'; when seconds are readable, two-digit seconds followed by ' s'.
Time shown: 3 h 10 min
